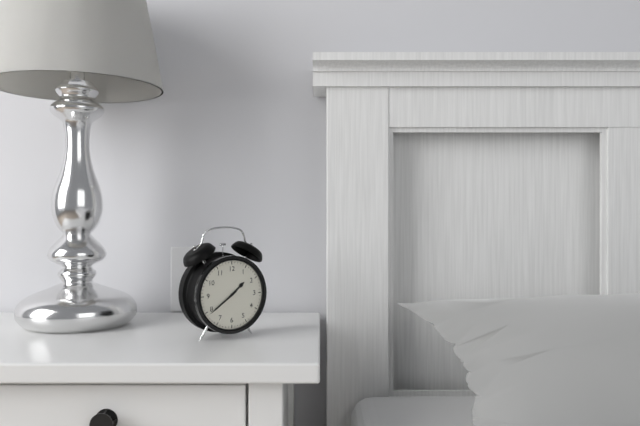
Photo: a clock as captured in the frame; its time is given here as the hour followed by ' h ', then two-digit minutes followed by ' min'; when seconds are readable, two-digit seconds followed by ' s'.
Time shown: 1 h 39 min
